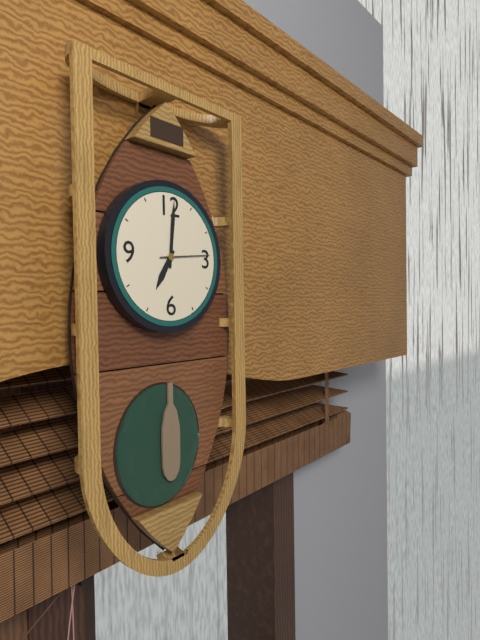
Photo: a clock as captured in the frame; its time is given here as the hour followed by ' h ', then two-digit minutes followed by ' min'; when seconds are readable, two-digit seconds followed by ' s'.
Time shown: 7 h 01 min
